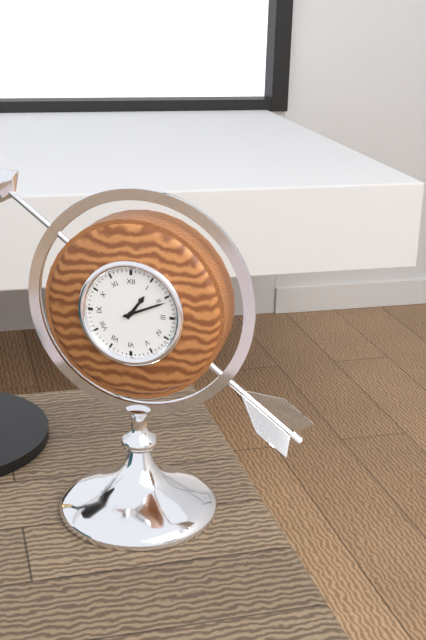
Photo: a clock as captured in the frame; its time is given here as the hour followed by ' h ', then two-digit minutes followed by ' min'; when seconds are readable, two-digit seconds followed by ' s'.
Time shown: 1 h 11 min
